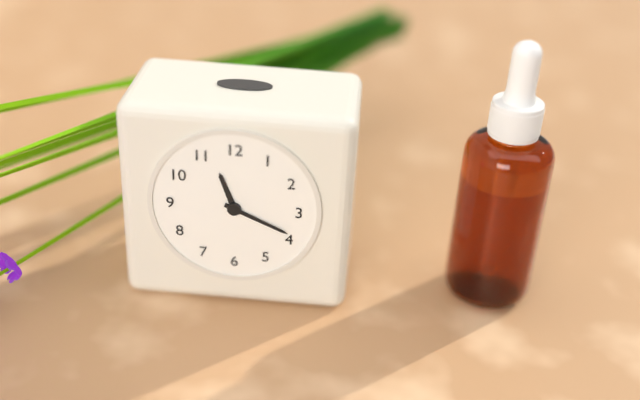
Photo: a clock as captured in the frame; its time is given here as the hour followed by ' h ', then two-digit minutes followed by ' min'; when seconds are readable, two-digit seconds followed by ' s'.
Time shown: 11 h 19 min
